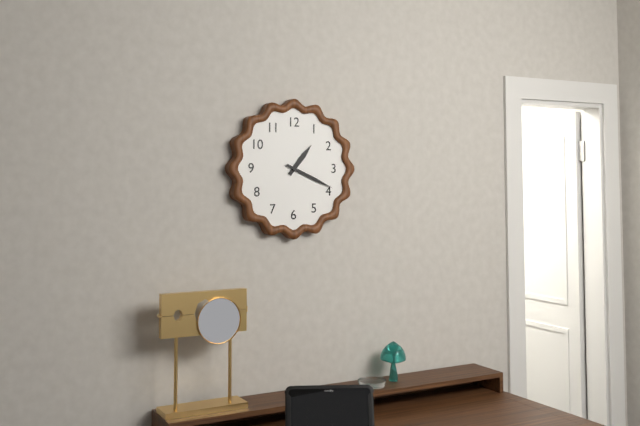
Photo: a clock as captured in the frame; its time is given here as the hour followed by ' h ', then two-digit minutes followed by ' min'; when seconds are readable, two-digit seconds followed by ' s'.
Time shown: 1 h 19 min
